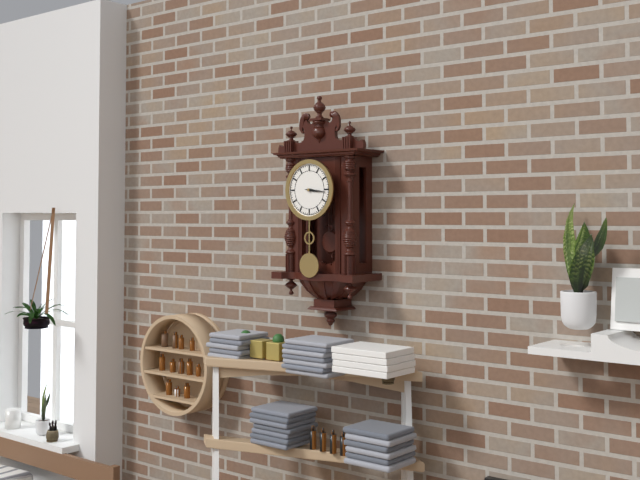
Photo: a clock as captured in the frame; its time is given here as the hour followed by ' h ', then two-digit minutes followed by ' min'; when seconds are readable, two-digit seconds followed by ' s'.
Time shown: 3 h 16 min
